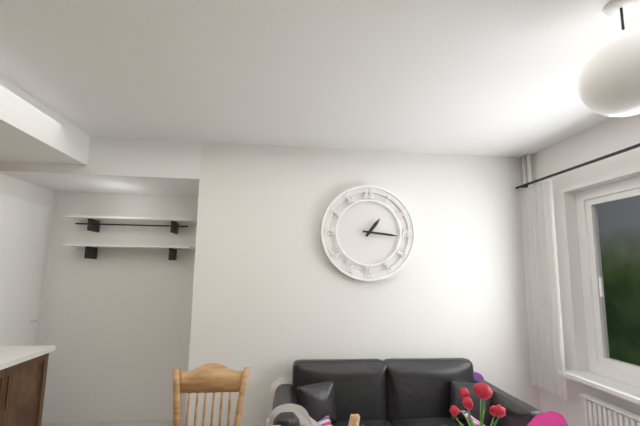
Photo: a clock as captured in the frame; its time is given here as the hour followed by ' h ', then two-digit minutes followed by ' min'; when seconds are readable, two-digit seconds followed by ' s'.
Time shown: 1 h 16 min
